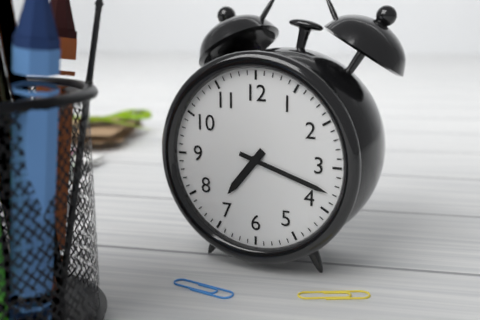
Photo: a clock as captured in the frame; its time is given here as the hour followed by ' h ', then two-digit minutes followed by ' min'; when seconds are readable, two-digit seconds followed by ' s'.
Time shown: 7 h 18 min
